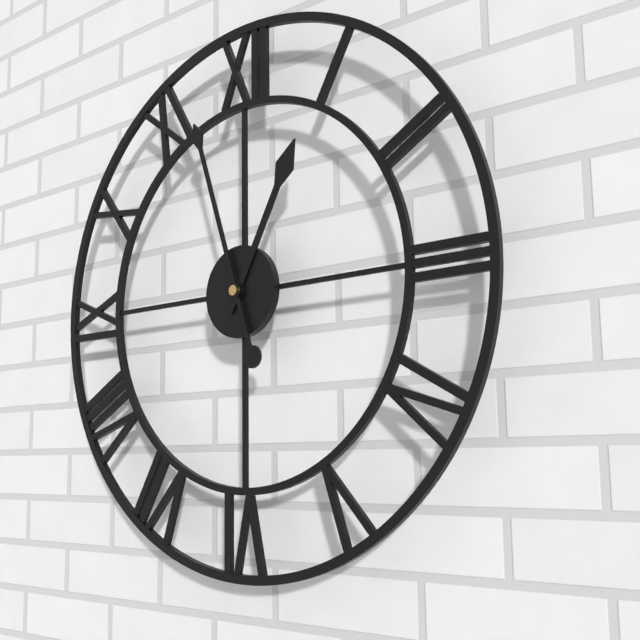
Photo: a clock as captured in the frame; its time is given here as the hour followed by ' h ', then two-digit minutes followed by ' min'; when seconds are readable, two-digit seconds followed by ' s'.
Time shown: 12 h 57 min
